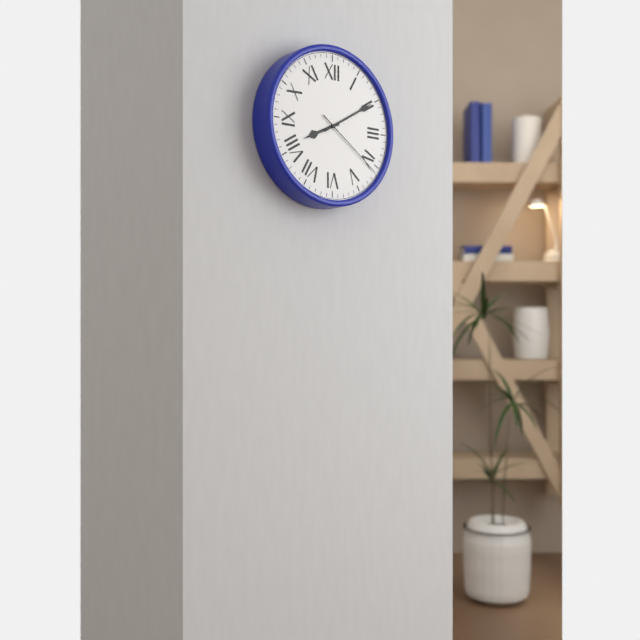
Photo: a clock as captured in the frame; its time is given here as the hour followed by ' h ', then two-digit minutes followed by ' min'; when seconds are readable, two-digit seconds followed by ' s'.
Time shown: 8 h 10 min 21 s
